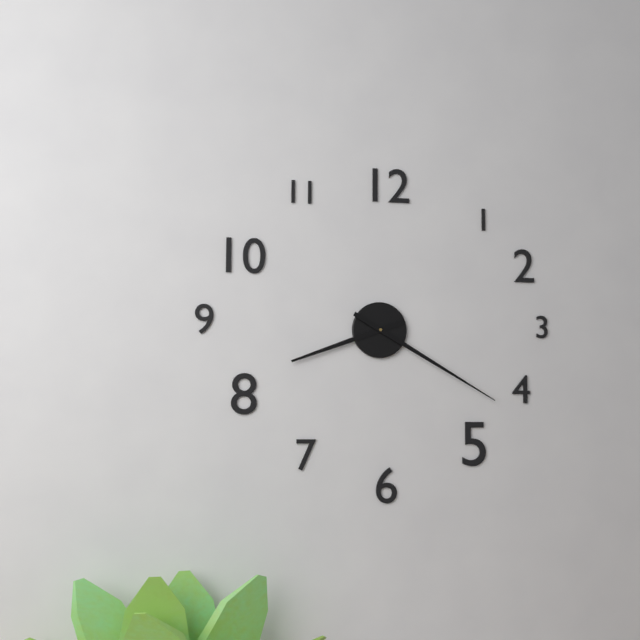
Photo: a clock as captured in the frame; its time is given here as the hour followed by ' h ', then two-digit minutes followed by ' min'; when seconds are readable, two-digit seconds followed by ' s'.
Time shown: 8 h 20 min
